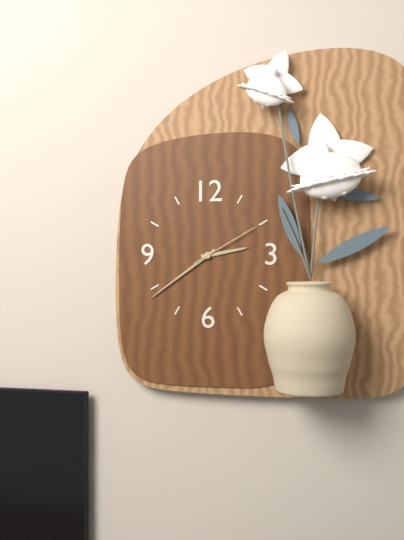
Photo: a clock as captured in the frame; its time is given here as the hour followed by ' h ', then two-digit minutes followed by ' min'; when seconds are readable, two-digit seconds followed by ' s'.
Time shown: 2 h 39 min 10 s
